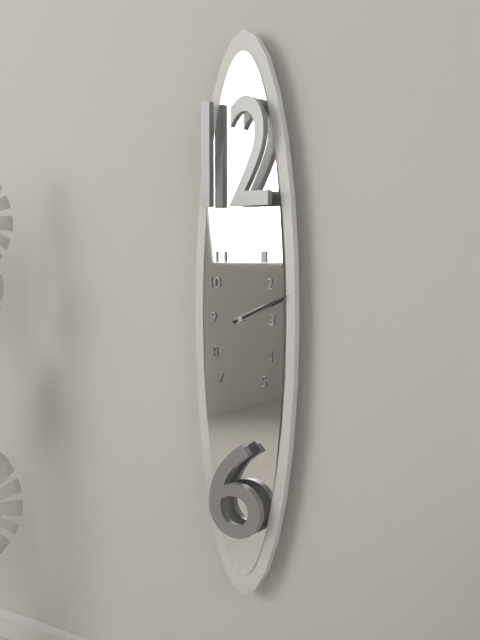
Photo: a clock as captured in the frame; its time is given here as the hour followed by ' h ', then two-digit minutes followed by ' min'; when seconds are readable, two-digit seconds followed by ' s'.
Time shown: 2 h 11 min
